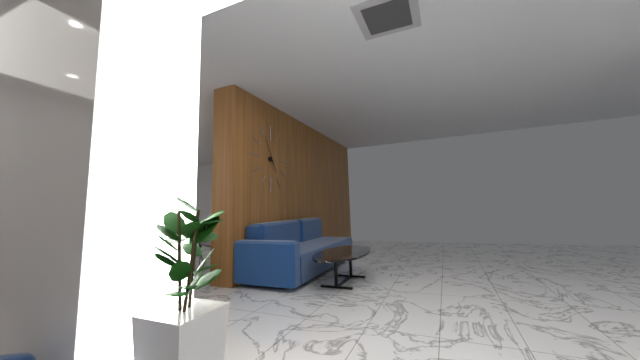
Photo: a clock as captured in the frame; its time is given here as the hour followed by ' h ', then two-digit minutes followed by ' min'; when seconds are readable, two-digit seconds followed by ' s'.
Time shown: 4 h 55 min
